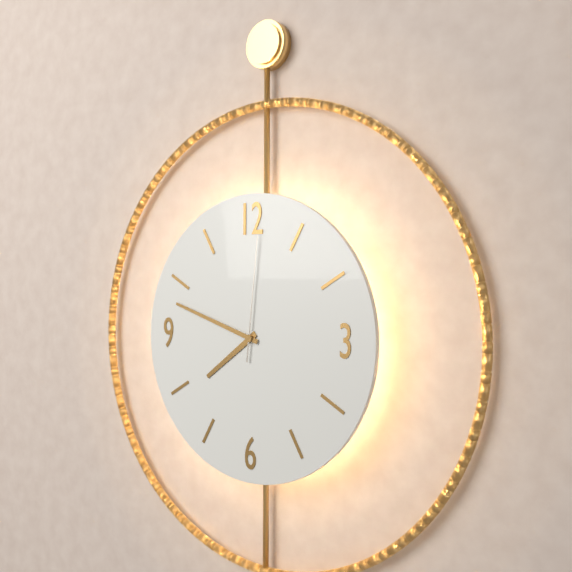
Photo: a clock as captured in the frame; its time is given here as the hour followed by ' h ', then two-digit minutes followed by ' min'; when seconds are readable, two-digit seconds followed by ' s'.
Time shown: 7 h 48 min 01 s
